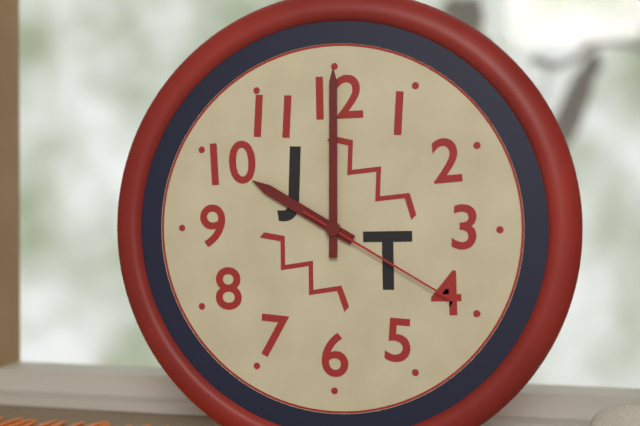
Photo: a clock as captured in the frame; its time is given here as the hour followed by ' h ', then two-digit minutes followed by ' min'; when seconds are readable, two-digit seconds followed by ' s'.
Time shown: 10 h 00 min 20 s
